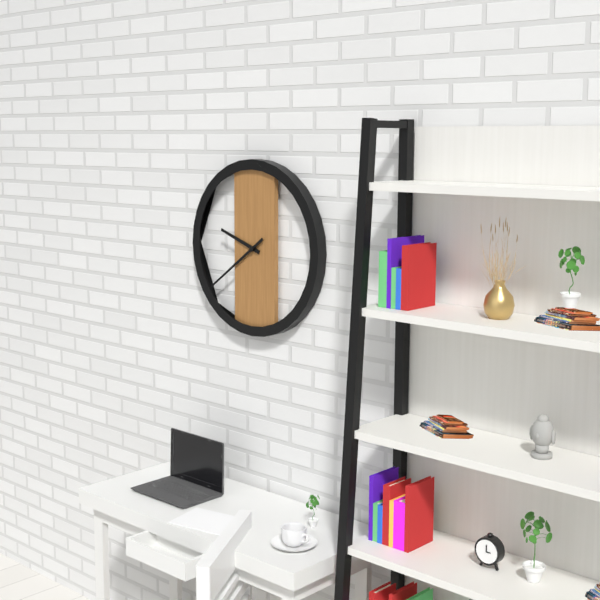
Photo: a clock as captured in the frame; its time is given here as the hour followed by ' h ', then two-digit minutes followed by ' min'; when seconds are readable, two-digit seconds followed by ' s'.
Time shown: 9 h 39 min
